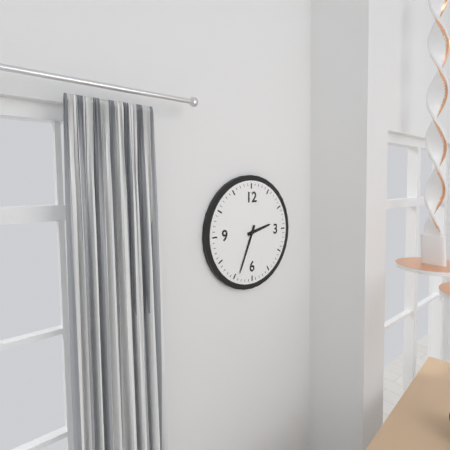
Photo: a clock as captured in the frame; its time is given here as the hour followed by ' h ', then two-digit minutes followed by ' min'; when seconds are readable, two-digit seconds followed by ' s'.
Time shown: 2 h 34 min
